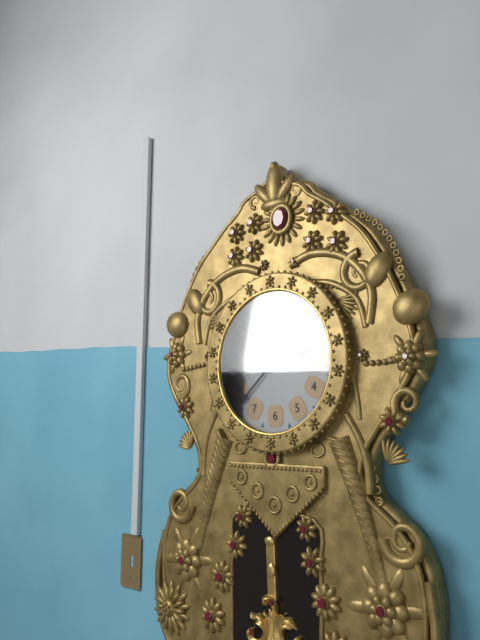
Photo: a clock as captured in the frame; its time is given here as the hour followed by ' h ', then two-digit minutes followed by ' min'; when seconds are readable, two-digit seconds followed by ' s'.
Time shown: 2 h 38 min
